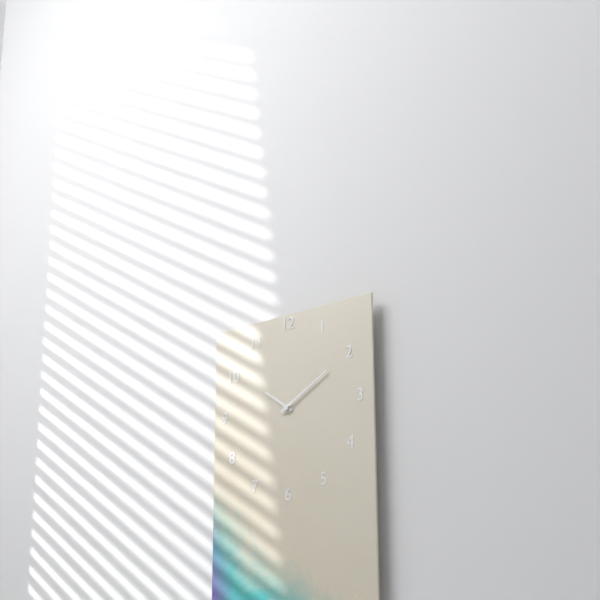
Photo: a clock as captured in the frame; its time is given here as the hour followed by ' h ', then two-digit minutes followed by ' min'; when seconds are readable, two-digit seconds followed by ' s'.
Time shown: 10 h 10 min
